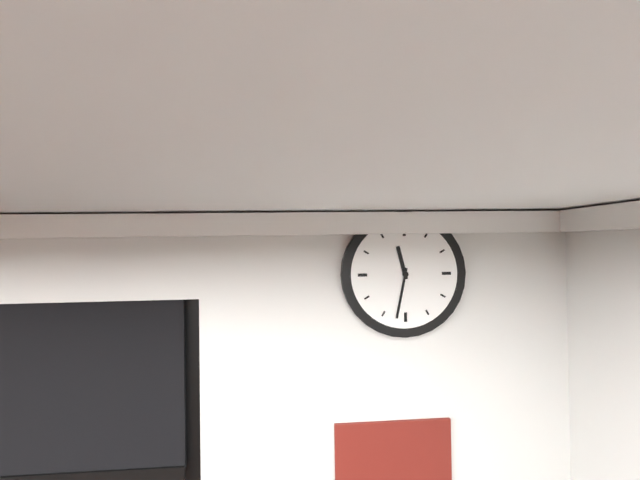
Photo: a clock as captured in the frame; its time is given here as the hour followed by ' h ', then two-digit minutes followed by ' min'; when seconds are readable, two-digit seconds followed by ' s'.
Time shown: 11 h 32 min
